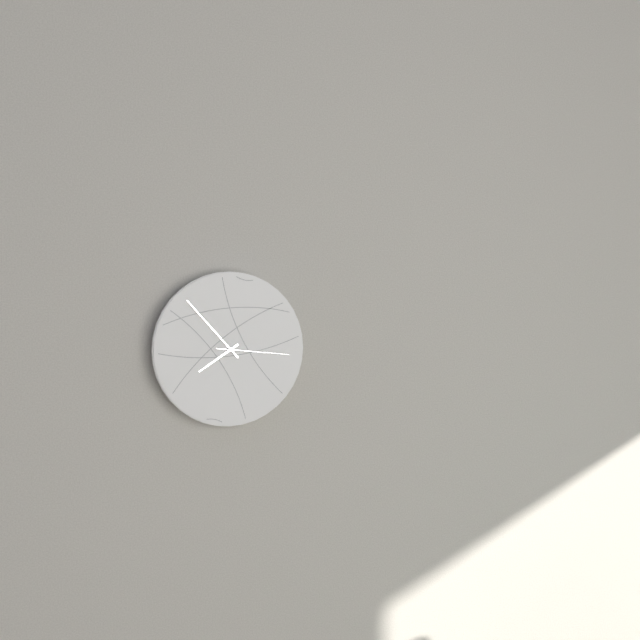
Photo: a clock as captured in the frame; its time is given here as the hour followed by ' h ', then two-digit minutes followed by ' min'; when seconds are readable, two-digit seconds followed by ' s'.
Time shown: 7 h 53 min 16 s
